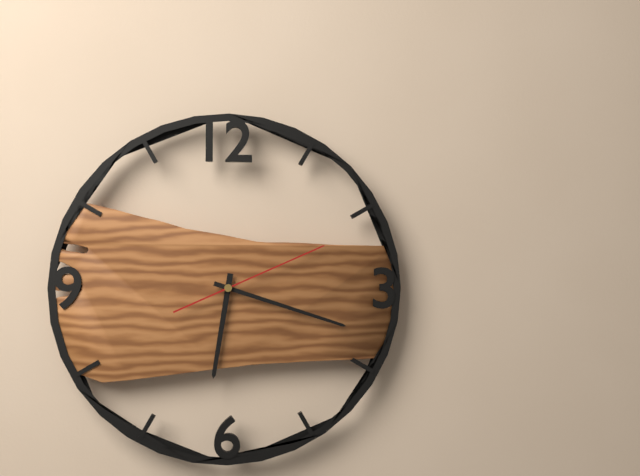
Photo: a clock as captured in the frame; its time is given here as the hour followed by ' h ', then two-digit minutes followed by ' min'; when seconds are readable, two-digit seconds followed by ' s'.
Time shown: 6 h 18 min 11 s
